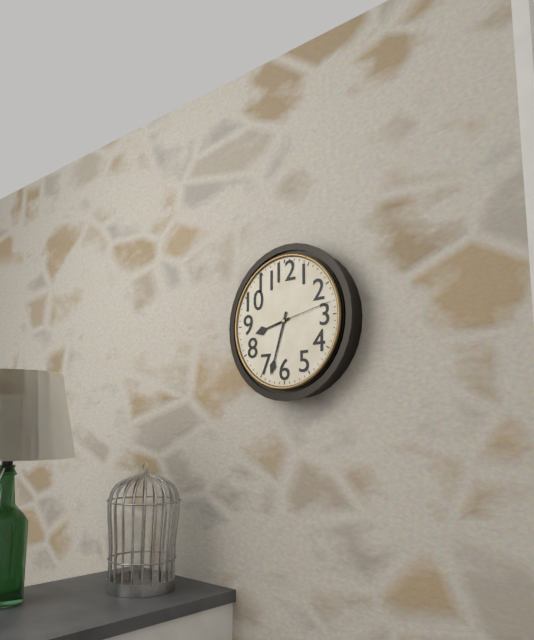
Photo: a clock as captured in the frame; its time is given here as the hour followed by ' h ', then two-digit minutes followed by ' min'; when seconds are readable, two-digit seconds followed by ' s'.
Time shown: 8 h 33 min 13 s
